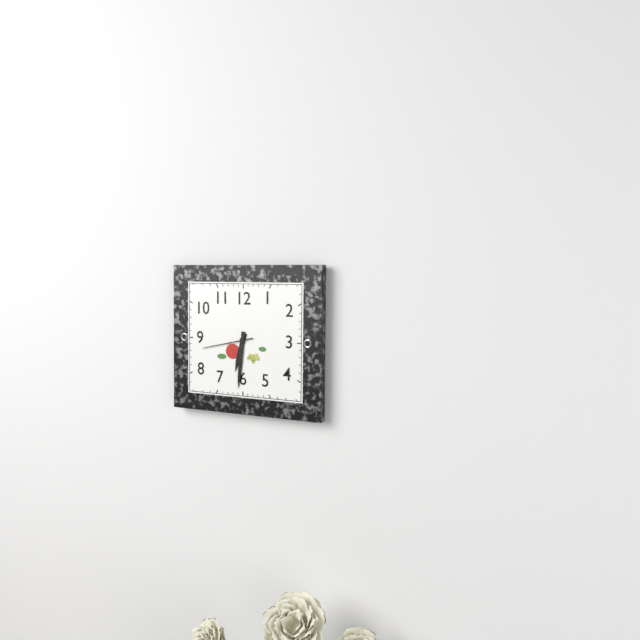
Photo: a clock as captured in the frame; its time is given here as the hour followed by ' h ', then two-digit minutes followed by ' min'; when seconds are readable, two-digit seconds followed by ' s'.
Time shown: 6 h 31 min 43 s
